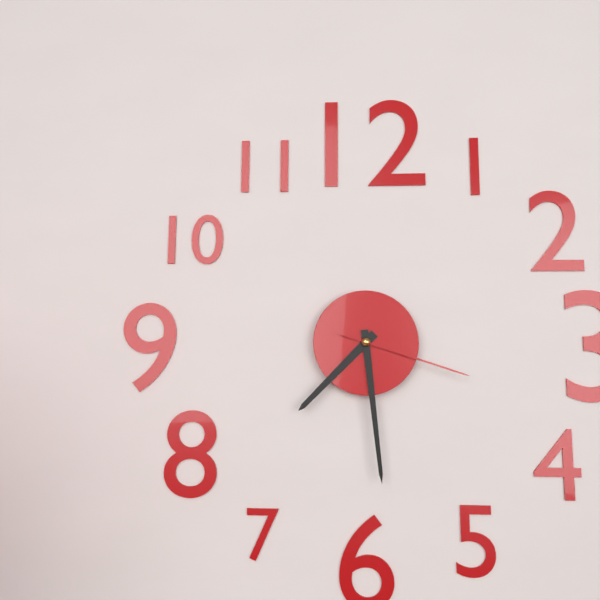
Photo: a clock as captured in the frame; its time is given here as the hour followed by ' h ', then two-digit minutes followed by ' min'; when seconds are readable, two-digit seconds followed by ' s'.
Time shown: 7 h 29 min 18 s
